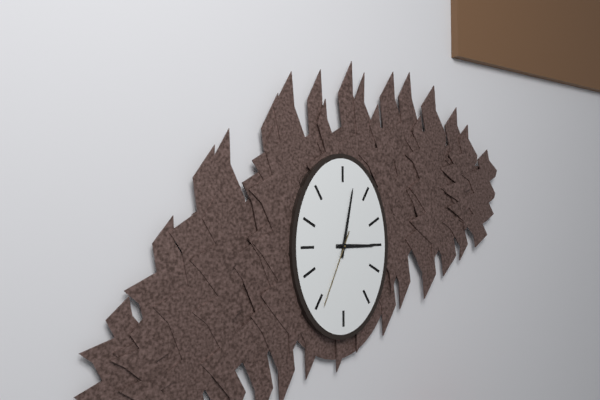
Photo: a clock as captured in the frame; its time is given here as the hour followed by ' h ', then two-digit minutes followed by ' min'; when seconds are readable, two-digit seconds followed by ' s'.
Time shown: 3 h 02 min 34 s
